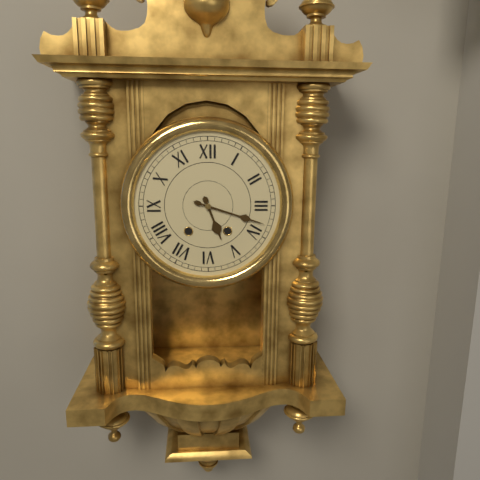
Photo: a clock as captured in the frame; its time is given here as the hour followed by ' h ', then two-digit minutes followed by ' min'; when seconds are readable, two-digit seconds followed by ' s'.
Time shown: 5 h 18 min
